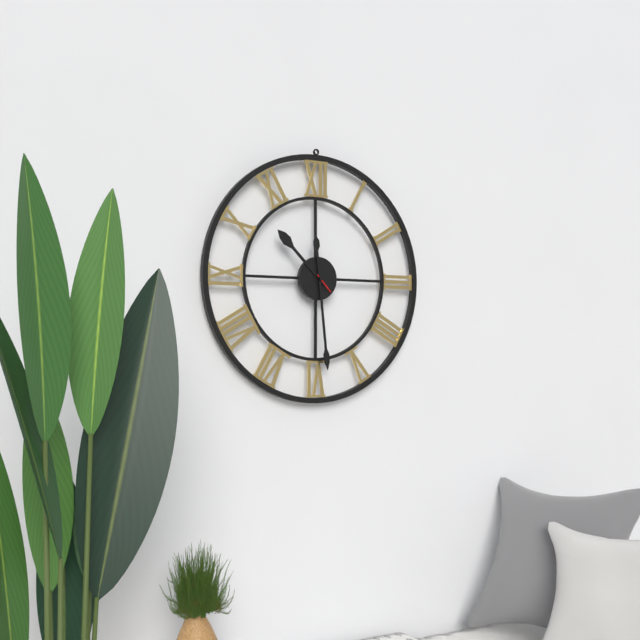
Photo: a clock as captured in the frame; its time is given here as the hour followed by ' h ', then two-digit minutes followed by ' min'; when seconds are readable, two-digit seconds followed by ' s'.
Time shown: 10 h 29 min
